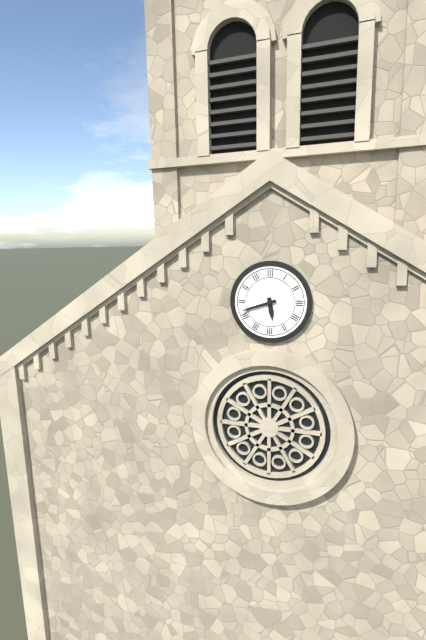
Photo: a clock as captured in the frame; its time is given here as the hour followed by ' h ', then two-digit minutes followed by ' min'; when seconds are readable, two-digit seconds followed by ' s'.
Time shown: 5 h 42 min
